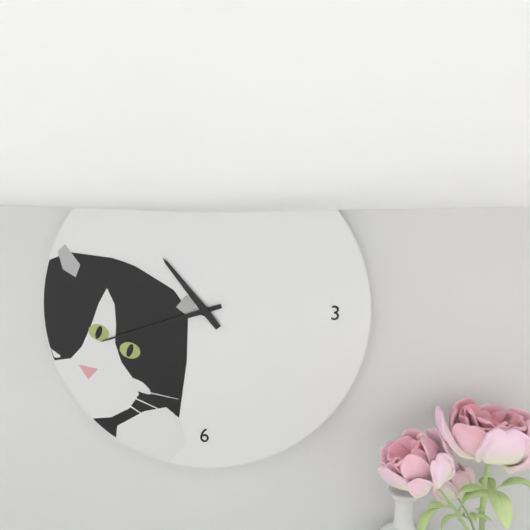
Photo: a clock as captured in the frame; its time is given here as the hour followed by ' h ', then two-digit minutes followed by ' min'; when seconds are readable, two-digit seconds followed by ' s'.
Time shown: 10 h 42 min
